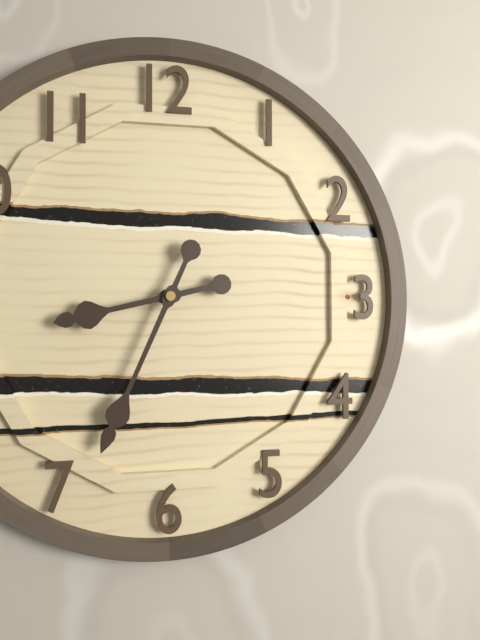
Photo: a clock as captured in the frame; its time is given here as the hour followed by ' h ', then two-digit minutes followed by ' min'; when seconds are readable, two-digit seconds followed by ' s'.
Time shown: 8 h 34 min
